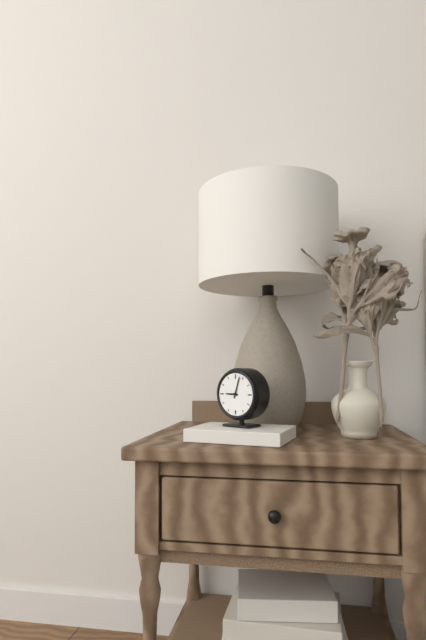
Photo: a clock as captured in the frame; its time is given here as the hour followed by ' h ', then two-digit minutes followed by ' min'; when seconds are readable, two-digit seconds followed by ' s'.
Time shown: 9 h 03 min
